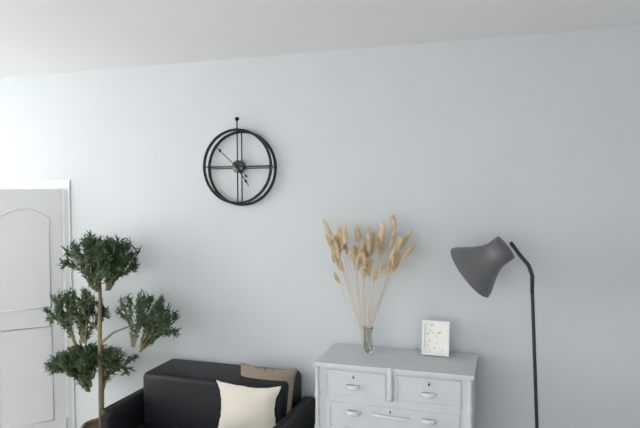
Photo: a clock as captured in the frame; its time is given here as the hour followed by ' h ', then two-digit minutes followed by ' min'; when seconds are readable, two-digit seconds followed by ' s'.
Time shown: 4 h 52 min
